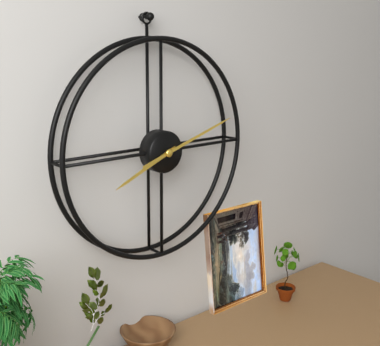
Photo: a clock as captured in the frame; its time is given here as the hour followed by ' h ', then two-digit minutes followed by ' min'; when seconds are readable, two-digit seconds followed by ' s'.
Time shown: 8 h 12 min
